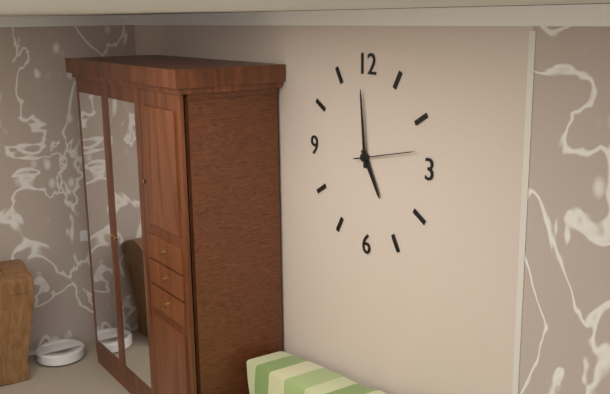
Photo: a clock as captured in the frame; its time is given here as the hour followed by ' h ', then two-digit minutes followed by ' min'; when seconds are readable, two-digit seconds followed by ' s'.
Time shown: 4 h 59 min 13 s
